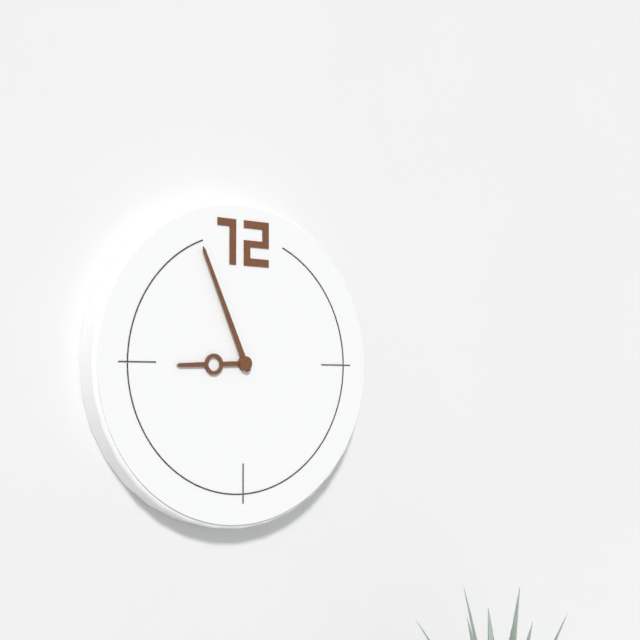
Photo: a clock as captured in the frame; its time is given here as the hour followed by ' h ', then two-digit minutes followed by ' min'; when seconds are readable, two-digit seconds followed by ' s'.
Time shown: 8 h 56 min
